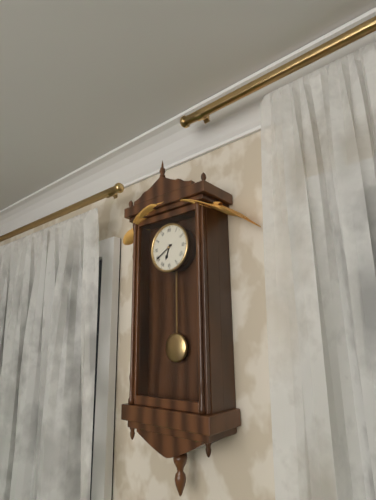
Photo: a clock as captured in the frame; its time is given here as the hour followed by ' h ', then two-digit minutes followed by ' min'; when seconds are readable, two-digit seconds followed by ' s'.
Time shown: 6 h 40 min
